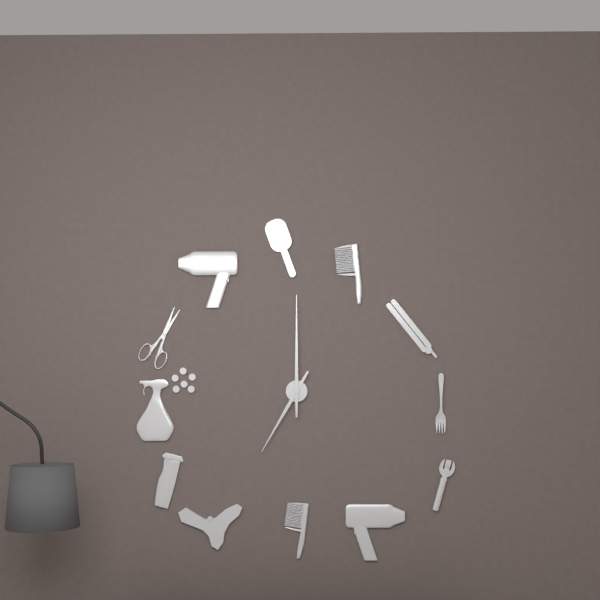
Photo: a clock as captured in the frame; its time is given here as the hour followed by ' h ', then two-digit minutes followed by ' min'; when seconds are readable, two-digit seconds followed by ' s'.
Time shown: 7 h 00 min
